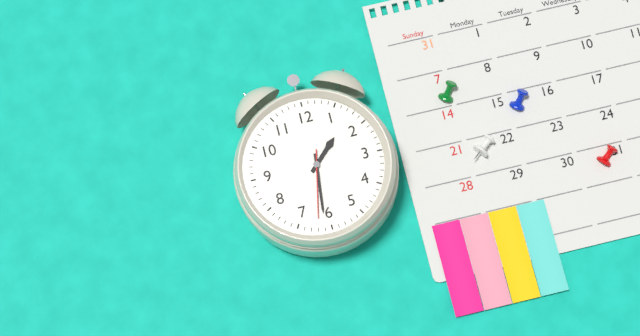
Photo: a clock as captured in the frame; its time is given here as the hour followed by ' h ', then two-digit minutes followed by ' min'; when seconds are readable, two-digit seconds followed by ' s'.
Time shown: 1 h 31 min 32 s
